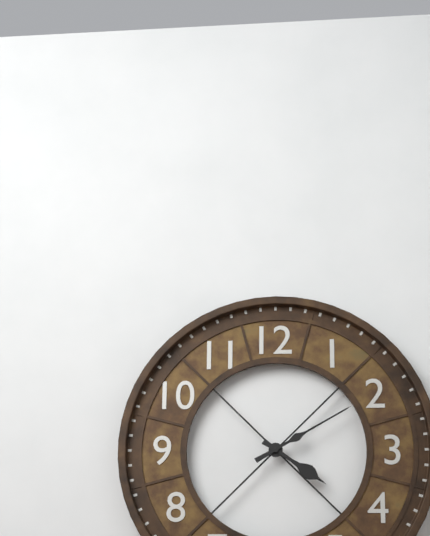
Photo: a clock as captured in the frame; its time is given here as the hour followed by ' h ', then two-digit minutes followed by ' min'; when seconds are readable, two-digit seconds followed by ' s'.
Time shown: 4 h 10 min
